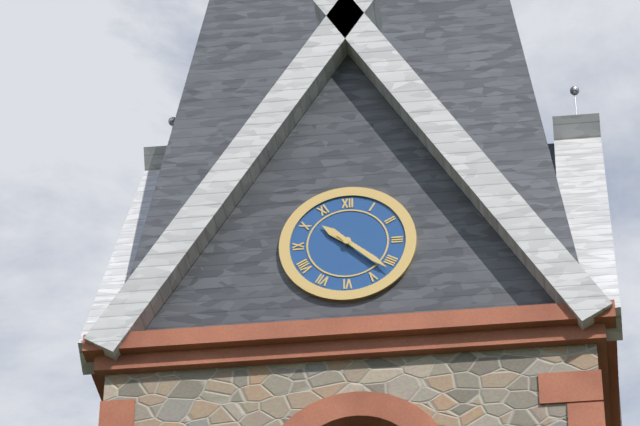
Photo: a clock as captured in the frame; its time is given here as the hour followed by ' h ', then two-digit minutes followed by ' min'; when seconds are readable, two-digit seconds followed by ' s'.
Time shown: 10 h 22 min
